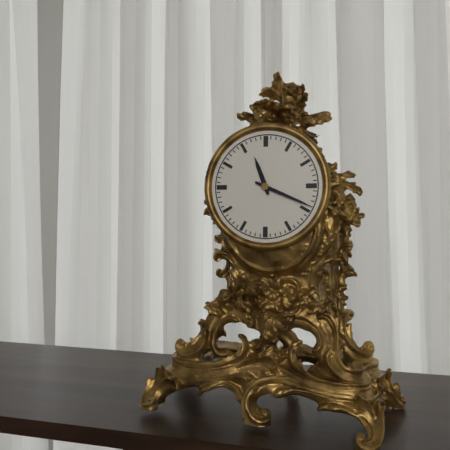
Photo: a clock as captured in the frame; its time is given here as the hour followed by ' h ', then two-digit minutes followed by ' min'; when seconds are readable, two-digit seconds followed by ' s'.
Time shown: 11 h 19 min
